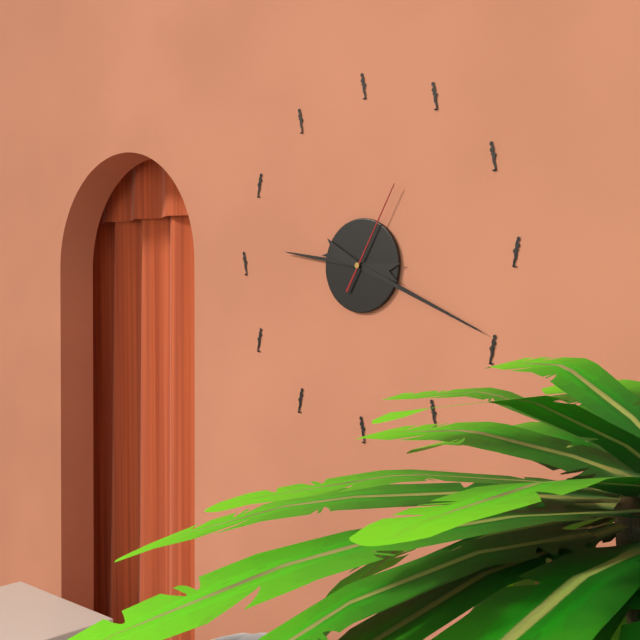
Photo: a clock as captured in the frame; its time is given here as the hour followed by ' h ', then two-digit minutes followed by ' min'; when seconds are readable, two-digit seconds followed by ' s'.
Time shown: 9 h 19 min 05 s
